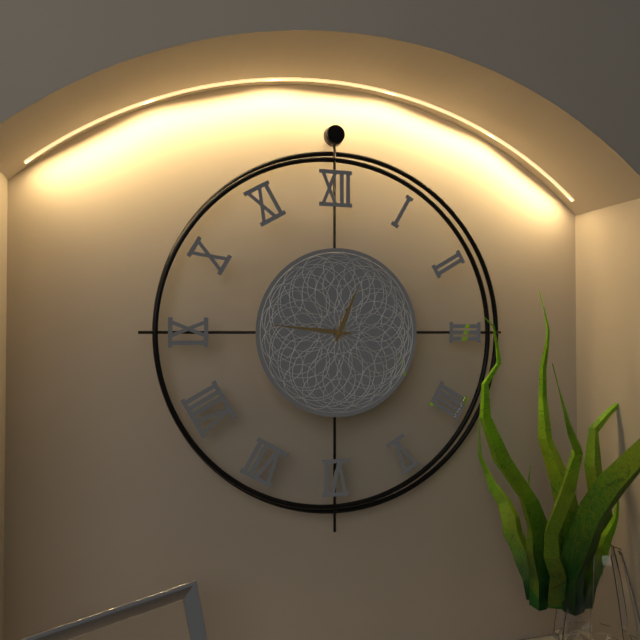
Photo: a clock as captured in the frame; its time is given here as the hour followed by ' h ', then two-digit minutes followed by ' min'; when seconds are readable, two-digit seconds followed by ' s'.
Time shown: 12 h 46 min
